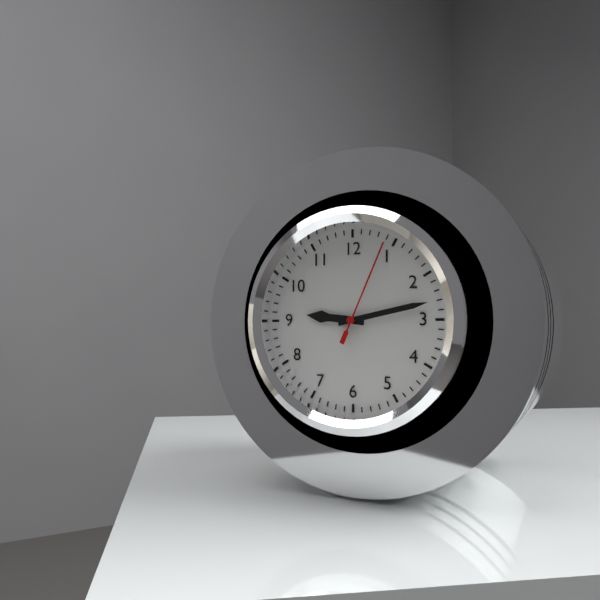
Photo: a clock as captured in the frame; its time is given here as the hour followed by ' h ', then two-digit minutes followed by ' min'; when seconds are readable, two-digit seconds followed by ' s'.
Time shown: 9 h 13 min 04 s
